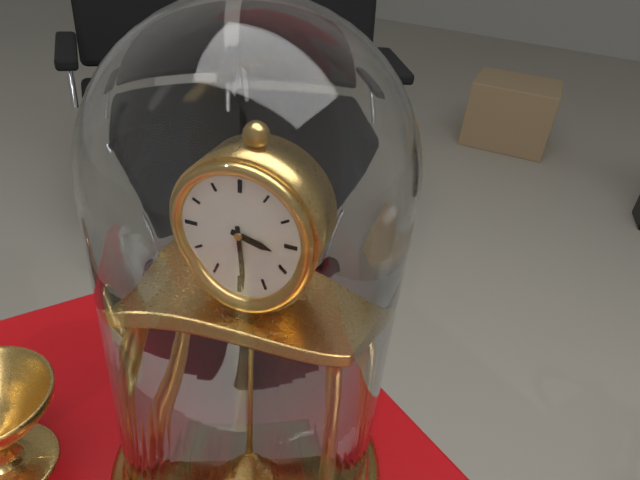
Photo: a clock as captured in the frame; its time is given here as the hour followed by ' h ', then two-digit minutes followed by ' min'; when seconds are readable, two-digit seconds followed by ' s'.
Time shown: 3 h 29 min
